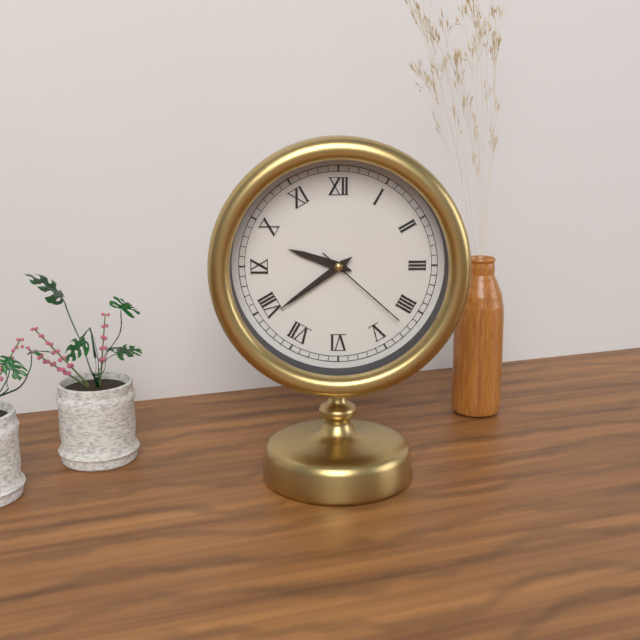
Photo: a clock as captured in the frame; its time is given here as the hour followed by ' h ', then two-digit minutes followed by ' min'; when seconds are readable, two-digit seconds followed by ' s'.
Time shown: 9 h 39 min 22 s
